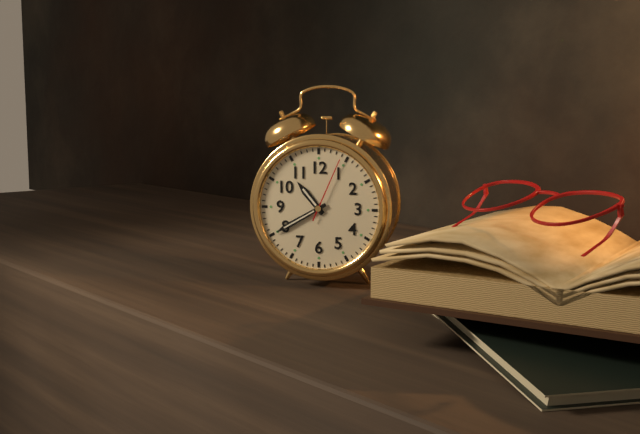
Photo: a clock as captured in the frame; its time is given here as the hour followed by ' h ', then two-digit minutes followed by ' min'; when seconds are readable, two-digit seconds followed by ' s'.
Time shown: 10 h 40 min 04 s
